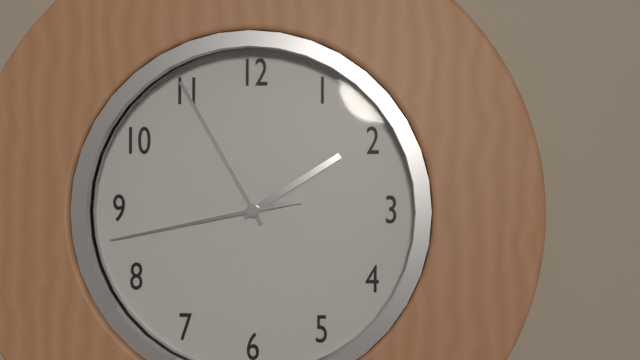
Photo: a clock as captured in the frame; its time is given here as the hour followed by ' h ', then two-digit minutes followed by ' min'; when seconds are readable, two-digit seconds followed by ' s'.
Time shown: 1 h 55 min 43 s
